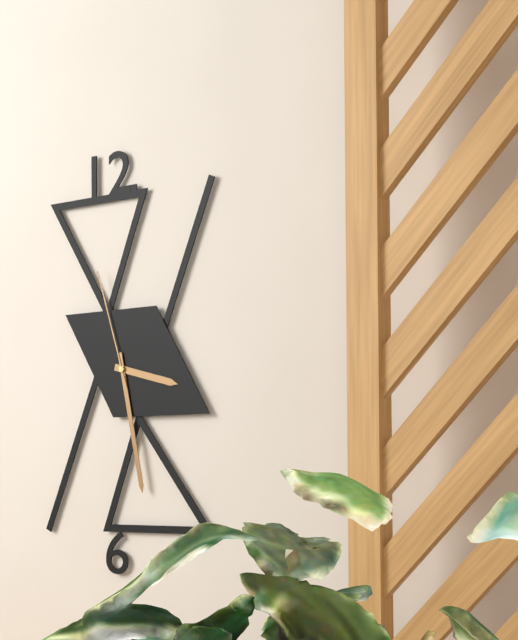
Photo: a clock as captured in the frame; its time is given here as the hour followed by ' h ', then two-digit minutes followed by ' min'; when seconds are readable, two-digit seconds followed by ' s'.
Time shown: 3 h 28 min 57 s
